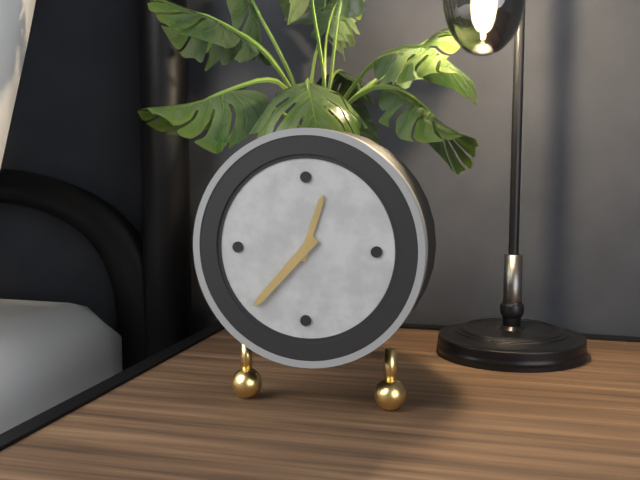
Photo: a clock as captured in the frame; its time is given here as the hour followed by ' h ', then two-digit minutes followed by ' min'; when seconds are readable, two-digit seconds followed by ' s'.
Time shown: 12 h 37 min
